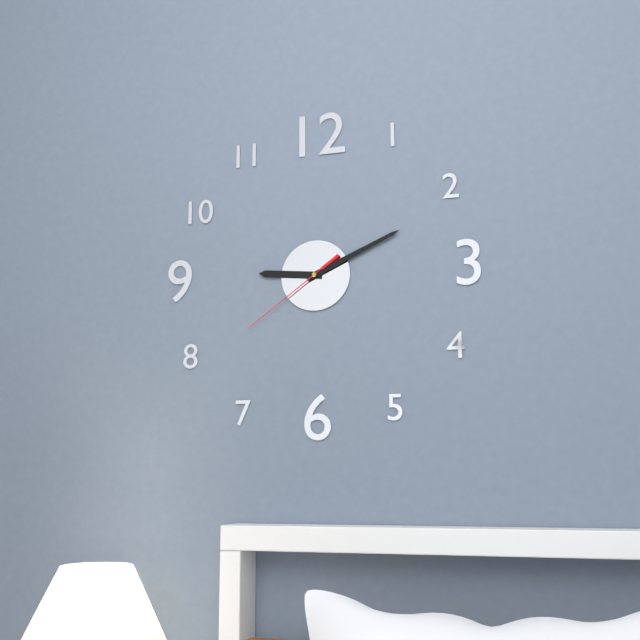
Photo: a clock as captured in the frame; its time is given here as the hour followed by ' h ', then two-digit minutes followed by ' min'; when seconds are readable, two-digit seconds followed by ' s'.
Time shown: 9 h 11 min 39 s
